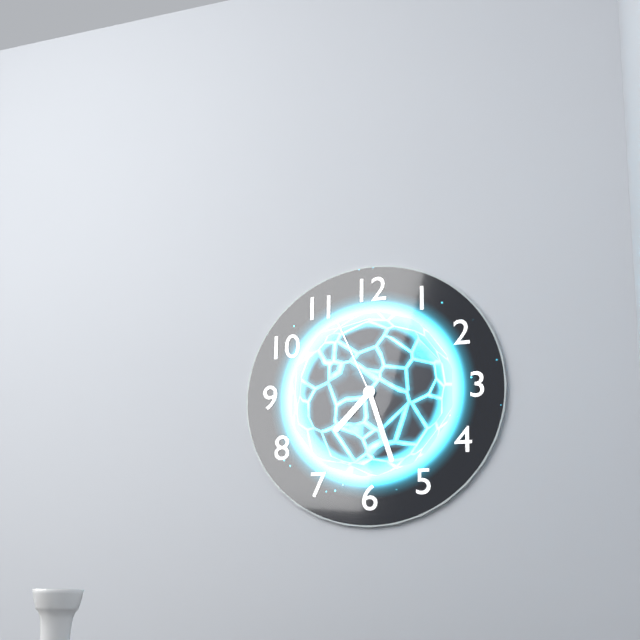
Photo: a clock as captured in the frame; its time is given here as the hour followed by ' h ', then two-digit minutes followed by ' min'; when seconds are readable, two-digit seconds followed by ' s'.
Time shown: 7 h 27 min 56 s
